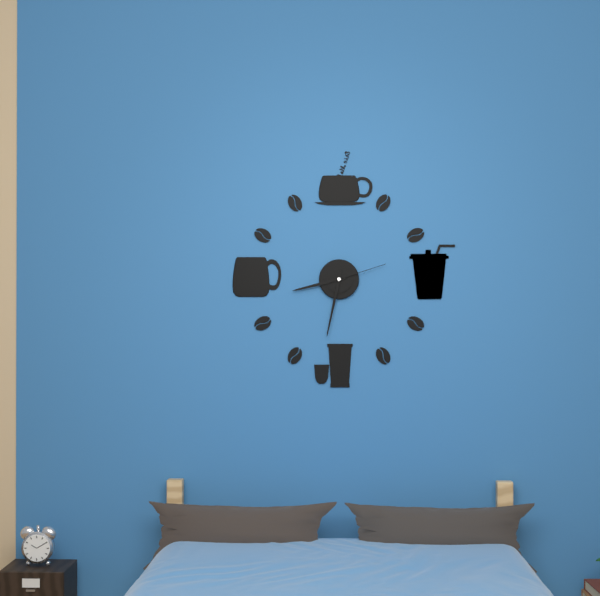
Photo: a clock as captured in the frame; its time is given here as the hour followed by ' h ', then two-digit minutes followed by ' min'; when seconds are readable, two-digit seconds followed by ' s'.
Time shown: 8 h 32 min 12 s
